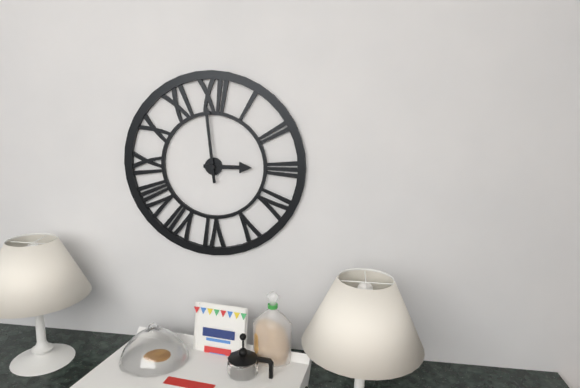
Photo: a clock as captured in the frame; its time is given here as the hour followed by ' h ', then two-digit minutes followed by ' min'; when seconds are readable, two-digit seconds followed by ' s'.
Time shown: 2 h 59 min
